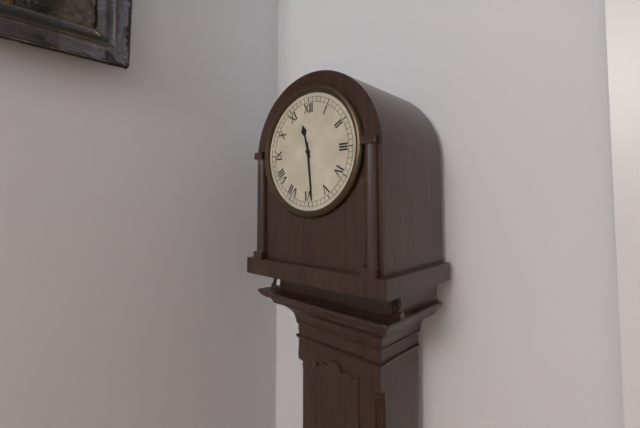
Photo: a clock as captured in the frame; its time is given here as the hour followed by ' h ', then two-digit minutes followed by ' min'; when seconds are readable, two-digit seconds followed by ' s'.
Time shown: 11 h 29 min
